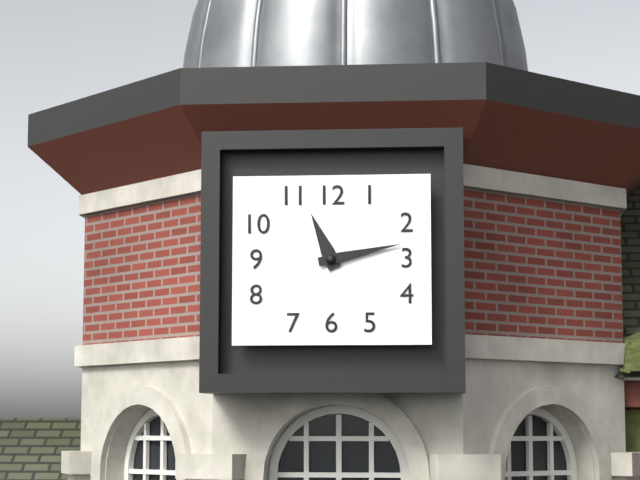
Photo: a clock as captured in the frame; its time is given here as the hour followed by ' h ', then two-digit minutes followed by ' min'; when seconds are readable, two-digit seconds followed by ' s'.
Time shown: 11 h 13 min
